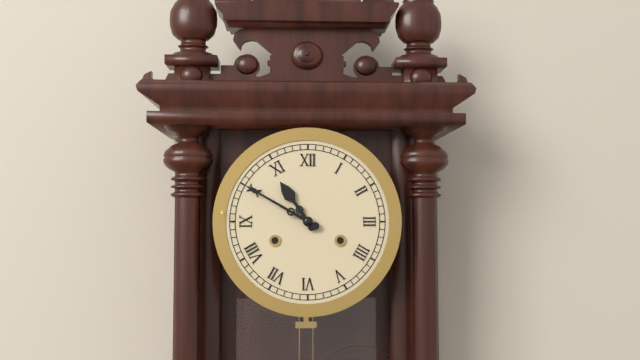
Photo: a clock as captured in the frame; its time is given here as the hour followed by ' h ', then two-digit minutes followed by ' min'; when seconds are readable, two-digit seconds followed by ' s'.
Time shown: 10 h 50 min
